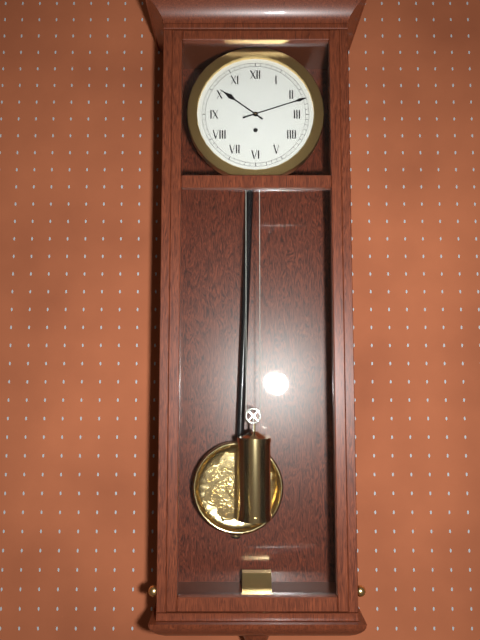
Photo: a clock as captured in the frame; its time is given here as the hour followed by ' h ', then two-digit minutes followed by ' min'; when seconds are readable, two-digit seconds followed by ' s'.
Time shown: 10 h 12 min
